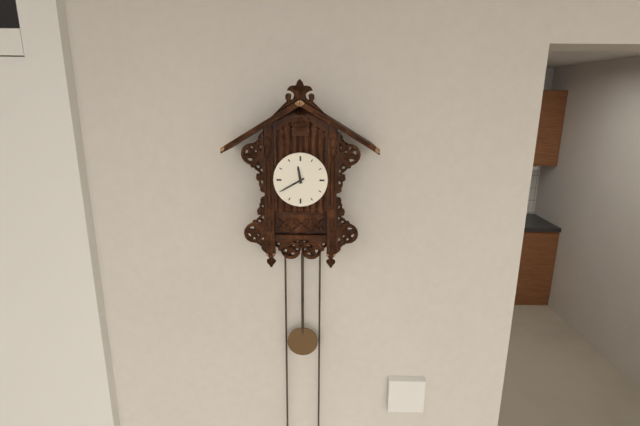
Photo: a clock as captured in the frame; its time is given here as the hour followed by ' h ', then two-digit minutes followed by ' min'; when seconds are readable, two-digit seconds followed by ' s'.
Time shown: 11 h 40 min
